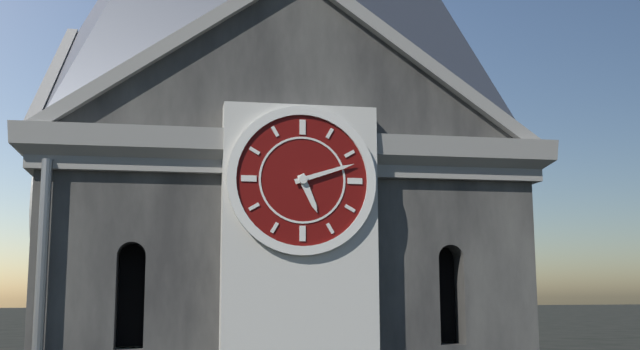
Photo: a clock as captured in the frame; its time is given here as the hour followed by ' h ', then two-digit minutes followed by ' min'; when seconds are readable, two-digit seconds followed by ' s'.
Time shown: 5 h 12 min
